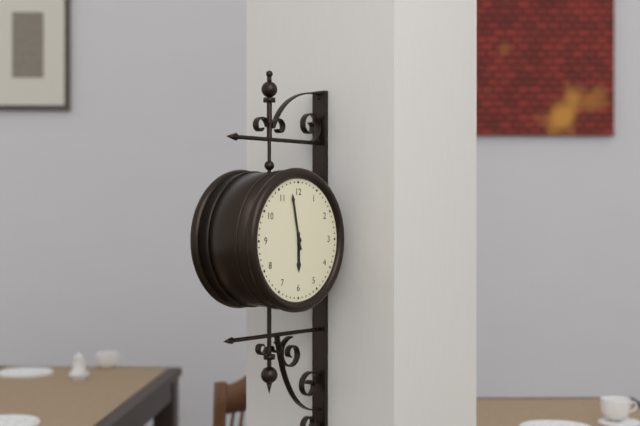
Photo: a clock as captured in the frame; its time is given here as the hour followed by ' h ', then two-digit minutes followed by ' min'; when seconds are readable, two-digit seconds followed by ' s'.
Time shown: 5 h 58 min
